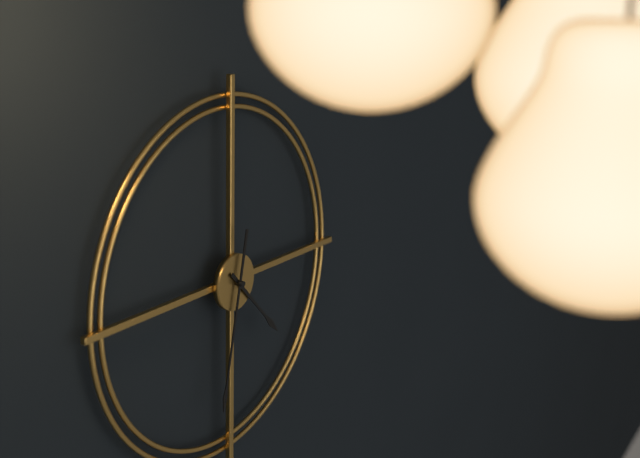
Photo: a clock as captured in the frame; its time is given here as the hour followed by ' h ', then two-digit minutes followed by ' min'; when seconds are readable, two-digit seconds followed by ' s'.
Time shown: 4 h 32 min
